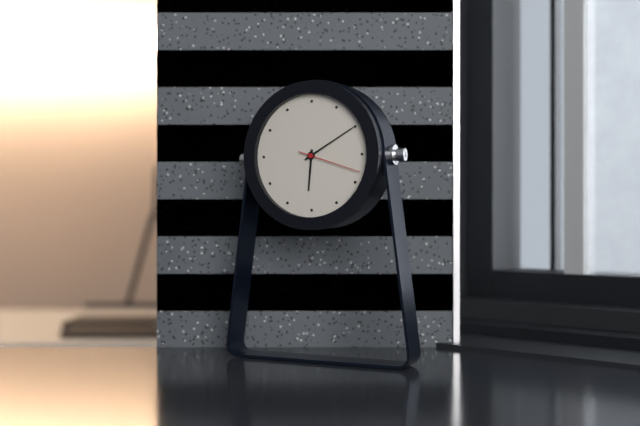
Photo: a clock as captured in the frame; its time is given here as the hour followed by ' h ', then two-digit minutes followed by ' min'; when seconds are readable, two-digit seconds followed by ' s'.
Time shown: 6 h 10 min 18 s
